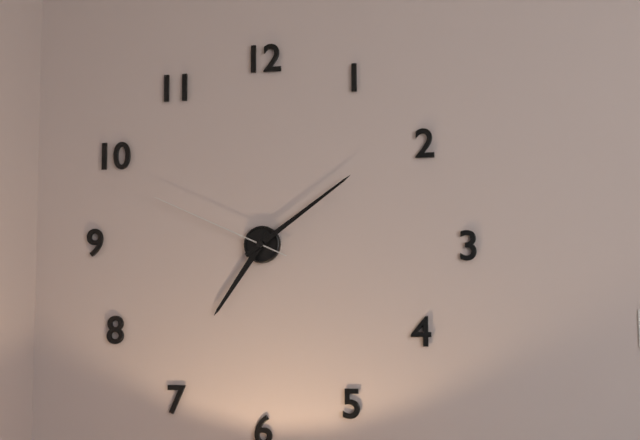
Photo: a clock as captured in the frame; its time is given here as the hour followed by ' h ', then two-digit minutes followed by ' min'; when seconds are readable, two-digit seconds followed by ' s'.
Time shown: 7 h 09 min 49 s
